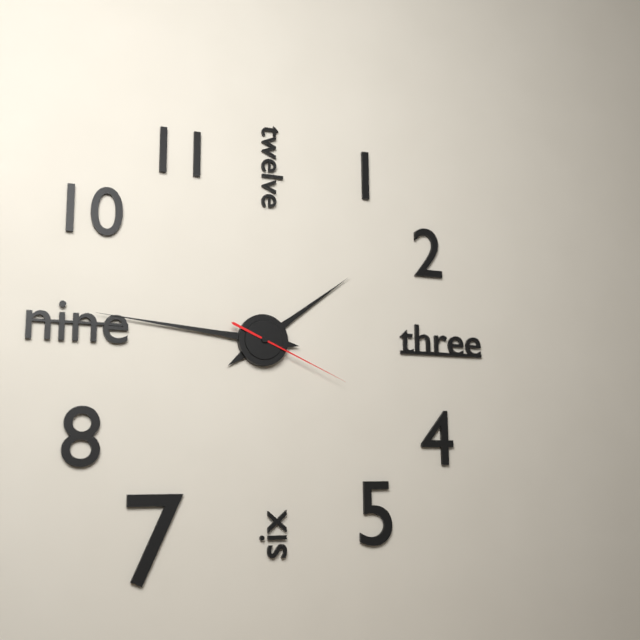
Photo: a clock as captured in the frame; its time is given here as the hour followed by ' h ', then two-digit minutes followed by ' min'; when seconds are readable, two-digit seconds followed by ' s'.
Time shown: 1 h 46 min 19 s
